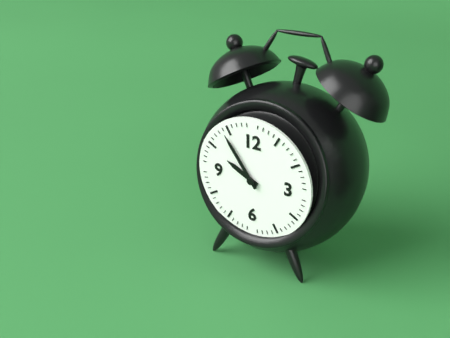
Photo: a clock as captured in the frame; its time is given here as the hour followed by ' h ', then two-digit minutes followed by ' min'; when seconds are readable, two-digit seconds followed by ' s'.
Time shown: 9 h 54 min
